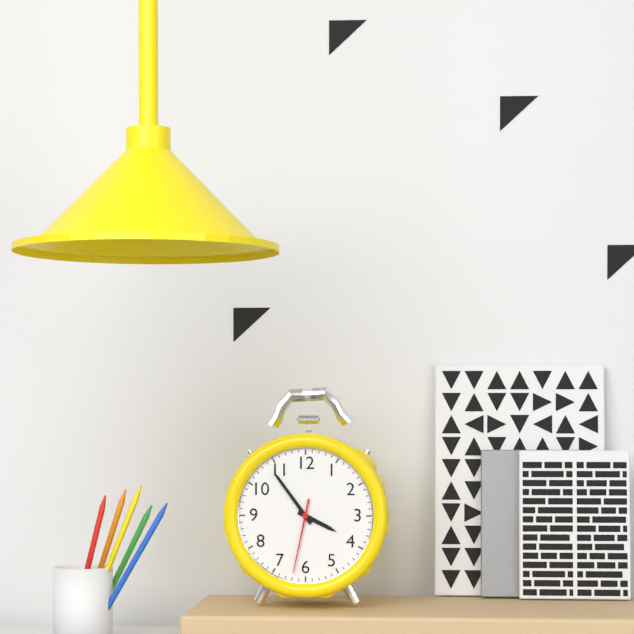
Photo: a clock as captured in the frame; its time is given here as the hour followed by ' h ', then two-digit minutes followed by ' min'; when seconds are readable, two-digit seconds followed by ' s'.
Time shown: 3 h 54 min 32 s
